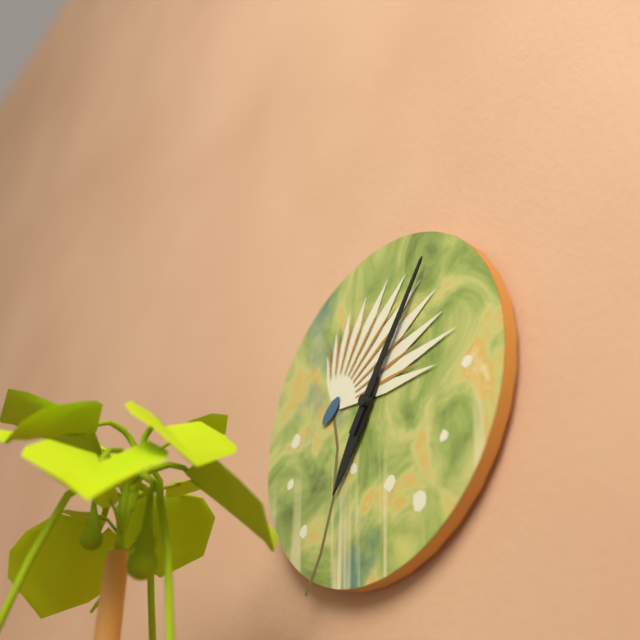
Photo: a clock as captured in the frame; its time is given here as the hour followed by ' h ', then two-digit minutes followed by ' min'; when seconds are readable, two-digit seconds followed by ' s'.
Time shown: 7 h 06 min
